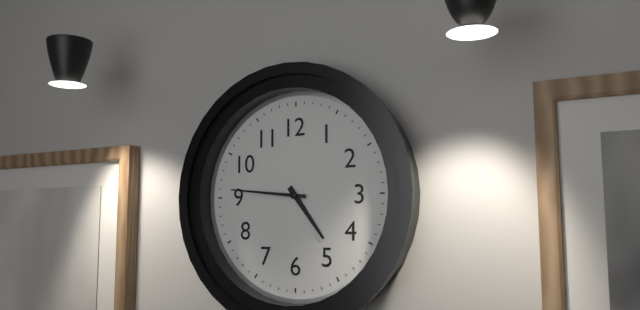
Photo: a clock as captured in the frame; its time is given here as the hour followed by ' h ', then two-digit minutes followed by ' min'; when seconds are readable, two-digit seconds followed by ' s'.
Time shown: 4 h 46 min
